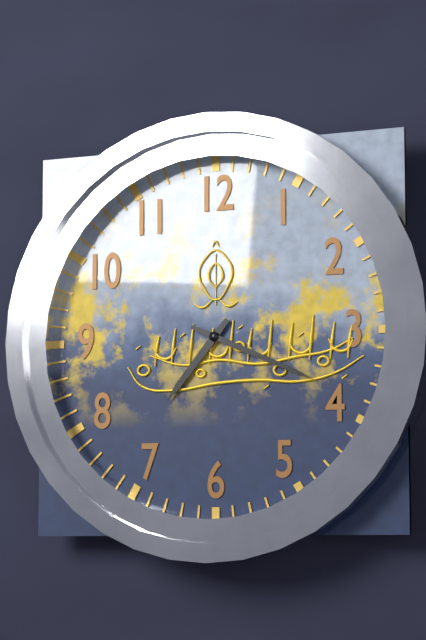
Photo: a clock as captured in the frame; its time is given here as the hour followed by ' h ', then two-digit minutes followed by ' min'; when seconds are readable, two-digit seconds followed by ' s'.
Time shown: 7 h 19 min
